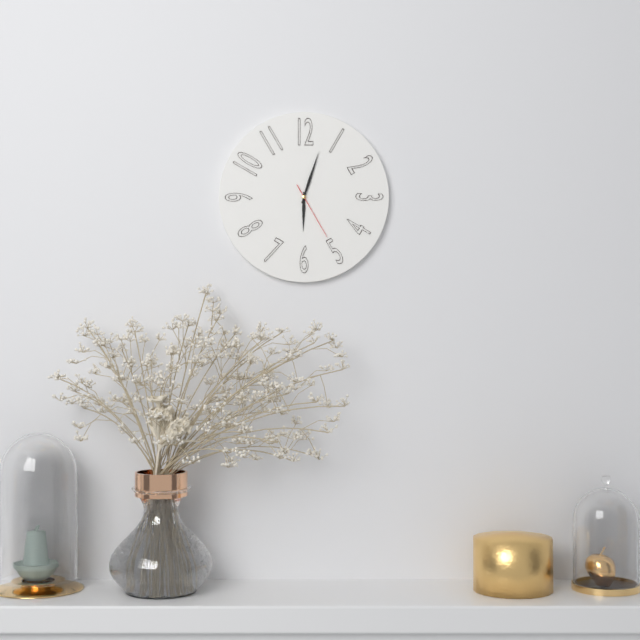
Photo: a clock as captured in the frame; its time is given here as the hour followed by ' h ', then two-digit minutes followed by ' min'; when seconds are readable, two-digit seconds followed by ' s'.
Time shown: 6 h 03 min 25 s
